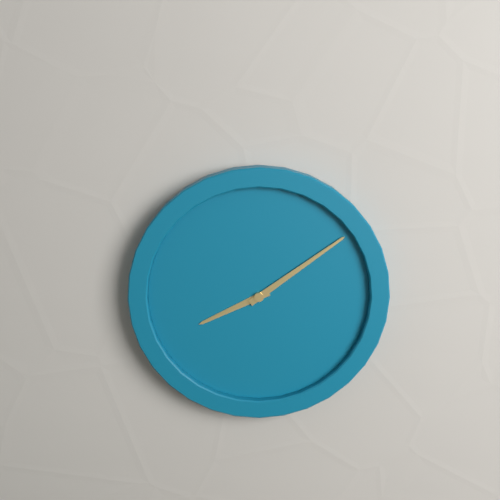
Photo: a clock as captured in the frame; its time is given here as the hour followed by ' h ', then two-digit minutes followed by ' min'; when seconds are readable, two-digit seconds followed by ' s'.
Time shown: 8 h 09 min
